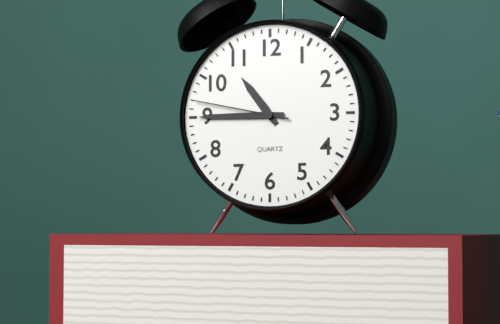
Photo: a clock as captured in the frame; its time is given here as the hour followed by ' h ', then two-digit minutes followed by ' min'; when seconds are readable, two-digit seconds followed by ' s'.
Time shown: 10 h 45 min 47 s
